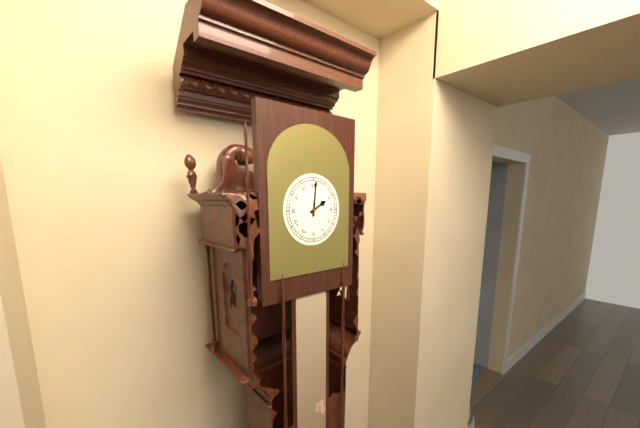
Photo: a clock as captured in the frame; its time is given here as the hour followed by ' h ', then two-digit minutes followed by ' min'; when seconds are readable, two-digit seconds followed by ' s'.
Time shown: 2 h 01 min
